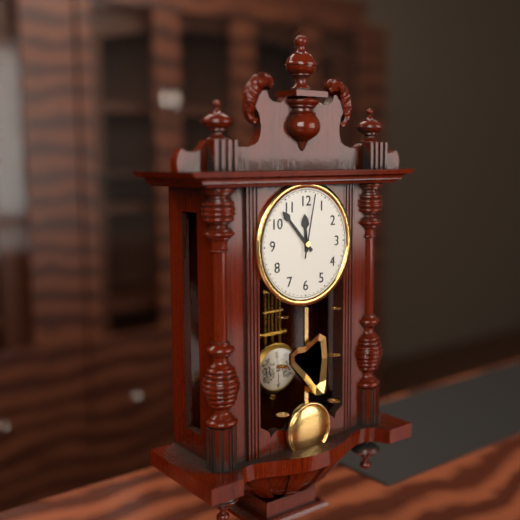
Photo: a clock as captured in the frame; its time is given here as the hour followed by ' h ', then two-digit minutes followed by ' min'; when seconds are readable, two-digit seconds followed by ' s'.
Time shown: 11 h 53 min 02 s
